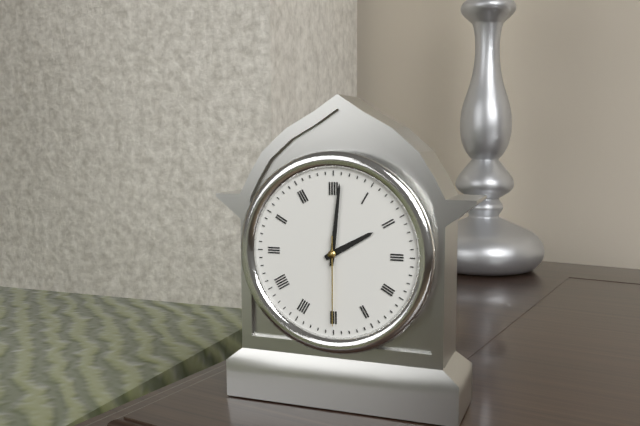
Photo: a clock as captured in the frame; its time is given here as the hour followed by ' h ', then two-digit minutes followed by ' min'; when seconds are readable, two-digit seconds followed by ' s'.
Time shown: 2 h 01 min 30 s
